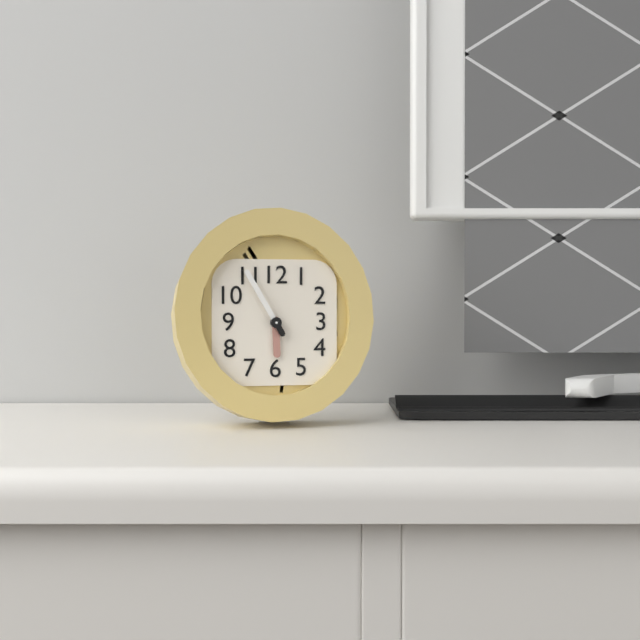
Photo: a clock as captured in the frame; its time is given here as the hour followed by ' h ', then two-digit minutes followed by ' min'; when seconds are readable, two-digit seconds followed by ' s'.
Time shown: 5 h 55 min
